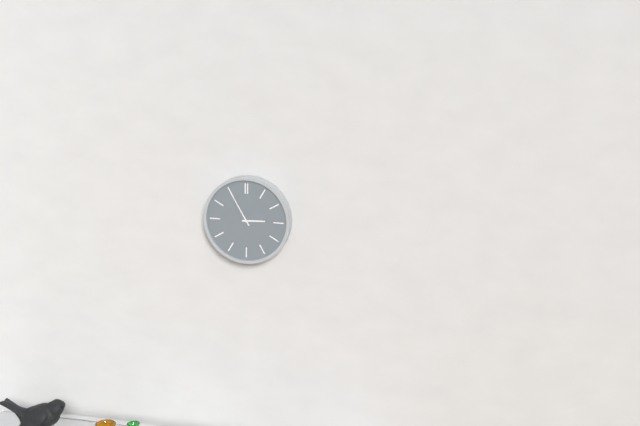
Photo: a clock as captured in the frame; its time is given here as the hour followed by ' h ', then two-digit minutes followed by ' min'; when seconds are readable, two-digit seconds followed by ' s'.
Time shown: 2 h 55 min
